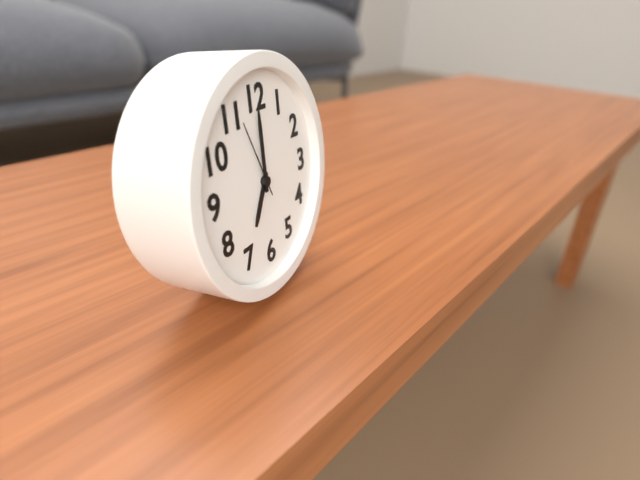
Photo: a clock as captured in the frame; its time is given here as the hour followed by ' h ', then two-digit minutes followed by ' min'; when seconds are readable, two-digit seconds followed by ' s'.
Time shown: 7 h 00 min 56 s
